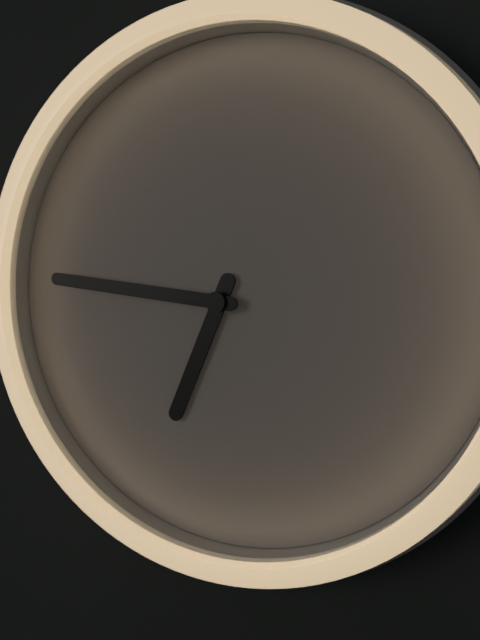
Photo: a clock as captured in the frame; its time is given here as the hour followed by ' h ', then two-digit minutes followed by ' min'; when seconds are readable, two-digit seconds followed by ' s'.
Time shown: 6 h 46 min
